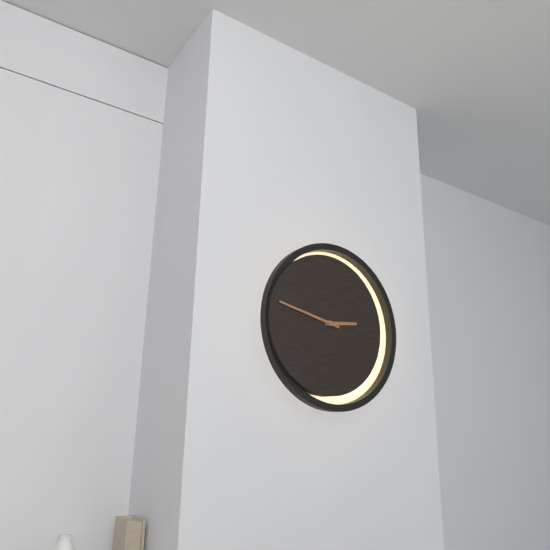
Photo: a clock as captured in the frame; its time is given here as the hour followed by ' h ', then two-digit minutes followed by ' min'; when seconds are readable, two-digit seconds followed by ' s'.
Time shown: 2 h 47 min
